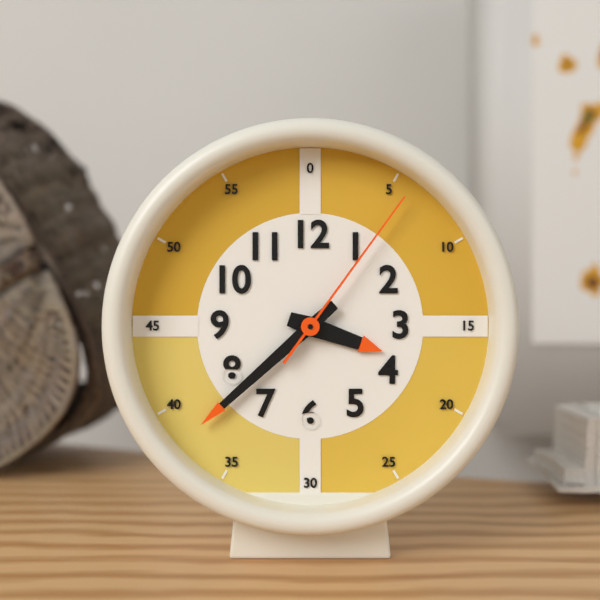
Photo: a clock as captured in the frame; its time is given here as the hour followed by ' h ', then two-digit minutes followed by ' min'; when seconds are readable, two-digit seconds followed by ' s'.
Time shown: 3 h 38 min 06 s
